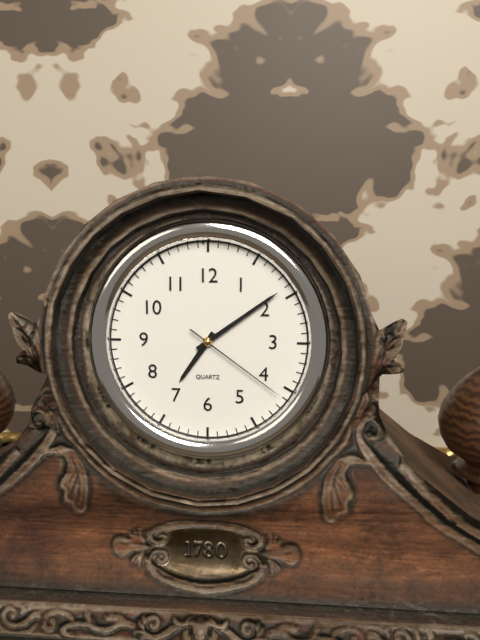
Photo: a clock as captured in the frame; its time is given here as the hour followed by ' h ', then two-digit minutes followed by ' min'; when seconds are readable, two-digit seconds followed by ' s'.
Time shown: 7 h 09 min 21 s
